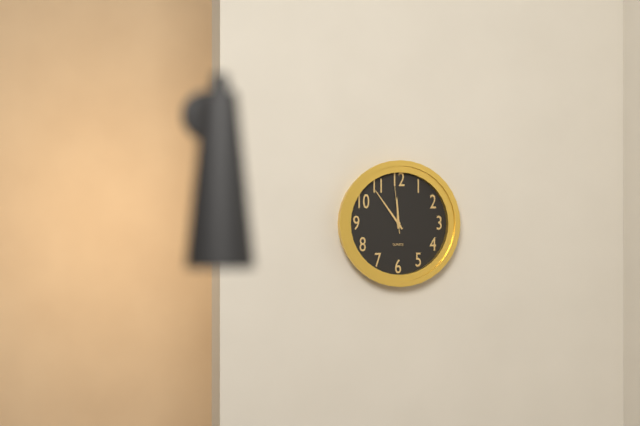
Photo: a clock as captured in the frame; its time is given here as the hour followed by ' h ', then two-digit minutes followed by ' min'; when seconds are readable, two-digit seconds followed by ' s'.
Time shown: 11 h 54 min
